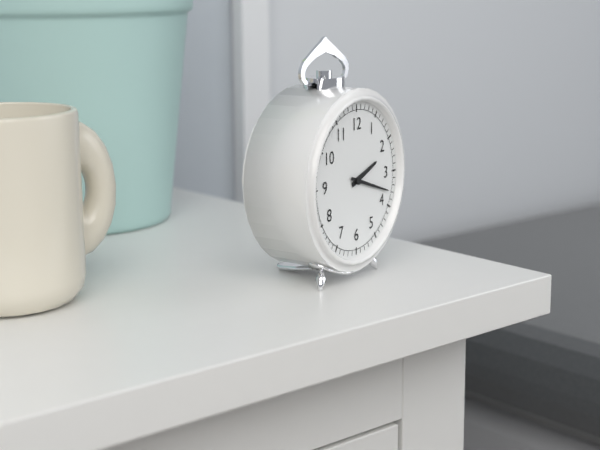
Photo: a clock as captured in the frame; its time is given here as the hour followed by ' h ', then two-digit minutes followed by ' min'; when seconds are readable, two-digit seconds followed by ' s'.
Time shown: 2 h 18 min
